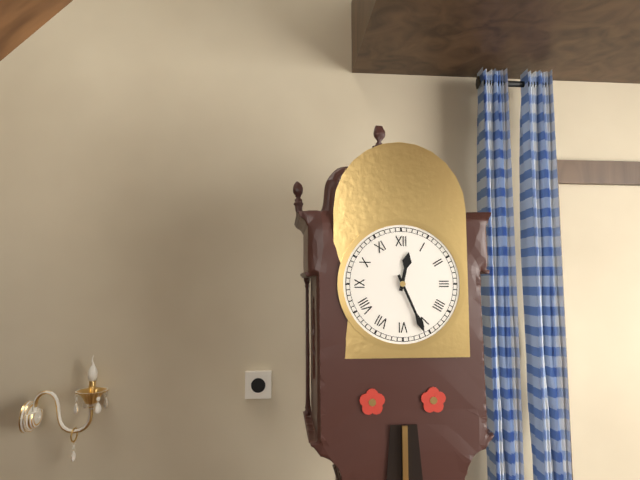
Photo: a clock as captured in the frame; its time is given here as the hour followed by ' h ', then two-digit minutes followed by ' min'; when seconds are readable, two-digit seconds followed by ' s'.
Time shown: 12 h 26 min
